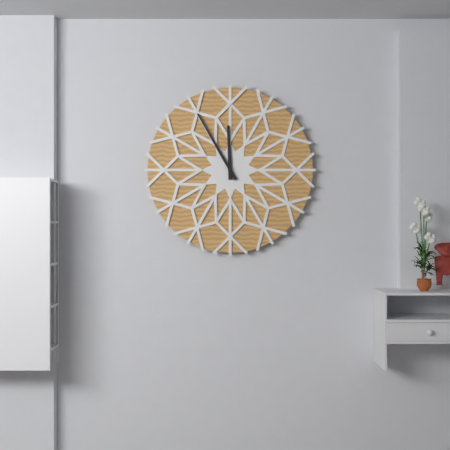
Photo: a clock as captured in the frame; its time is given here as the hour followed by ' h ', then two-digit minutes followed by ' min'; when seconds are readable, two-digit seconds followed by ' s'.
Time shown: 11 h 55 min
